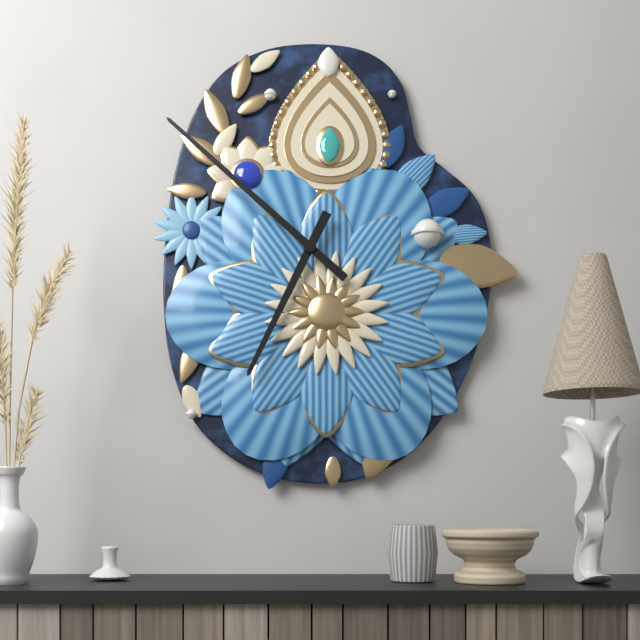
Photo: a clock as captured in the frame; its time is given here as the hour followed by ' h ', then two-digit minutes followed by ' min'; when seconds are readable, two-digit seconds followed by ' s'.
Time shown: 6 h 52 min
